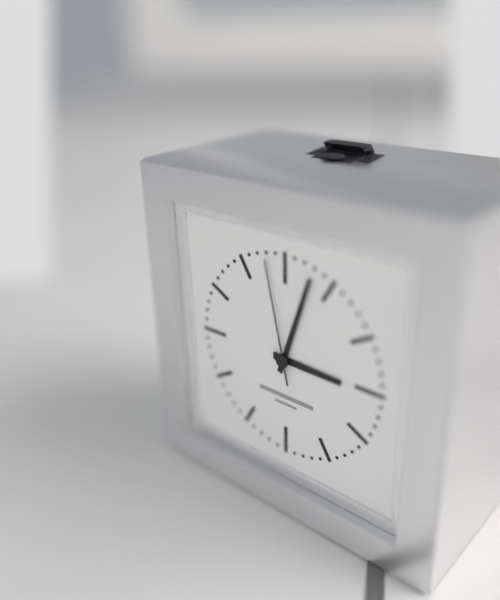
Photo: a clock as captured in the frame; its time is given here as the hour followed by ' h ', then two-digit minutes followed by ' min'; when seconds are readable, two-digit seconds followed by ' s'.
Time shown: 3 h 03 min 58 s
